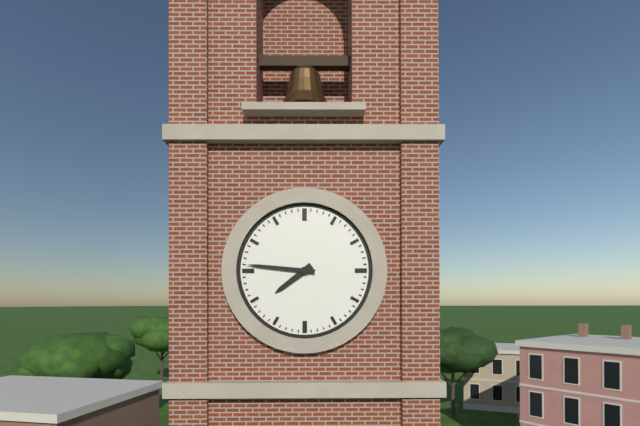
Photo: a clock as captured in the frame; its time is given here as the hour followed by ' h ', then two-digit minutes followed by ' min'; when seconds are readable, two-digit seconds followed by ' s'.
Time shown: 7 h 46 min
